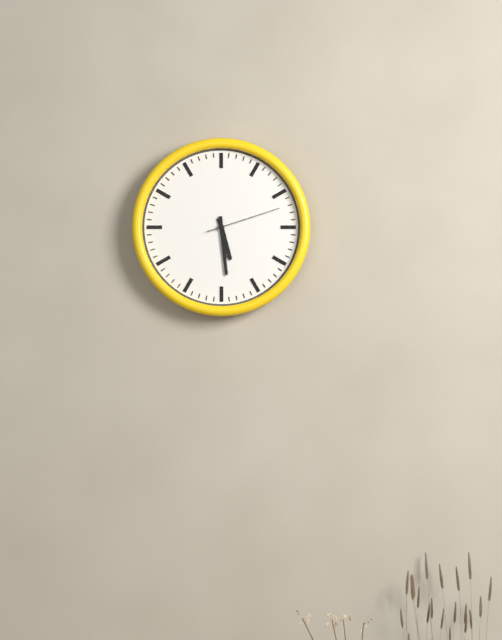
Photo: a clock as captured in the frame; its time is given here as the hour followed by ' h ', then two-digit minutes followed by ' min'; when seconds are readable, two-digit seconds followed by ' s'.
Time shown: 5 h 29 min 12 s
